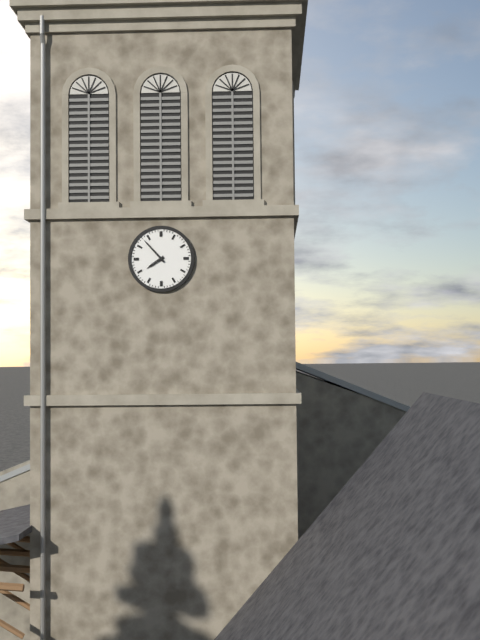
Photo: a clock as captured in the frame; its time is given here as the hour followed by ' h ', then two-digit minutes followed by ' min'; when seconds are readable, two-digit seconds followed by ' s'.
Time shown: 7 h 53 min
